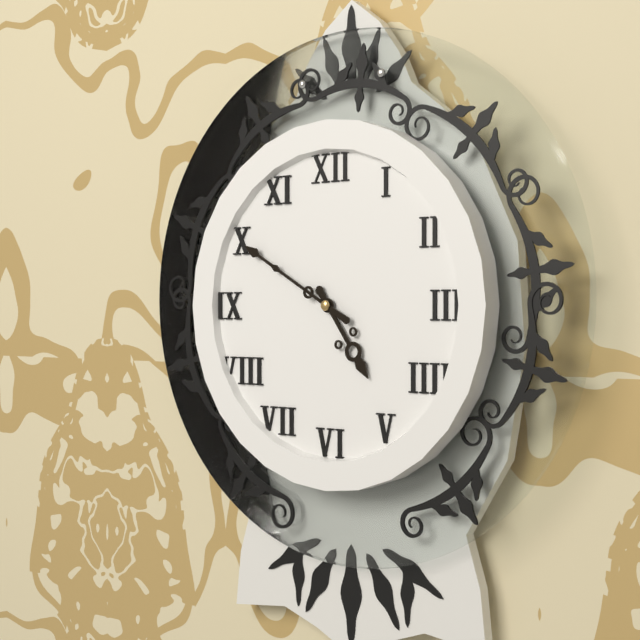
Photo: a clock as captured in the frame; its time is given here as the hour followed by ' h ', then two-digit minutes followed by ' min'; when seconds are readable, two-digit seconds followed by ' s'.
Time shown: 4 h 50 min
